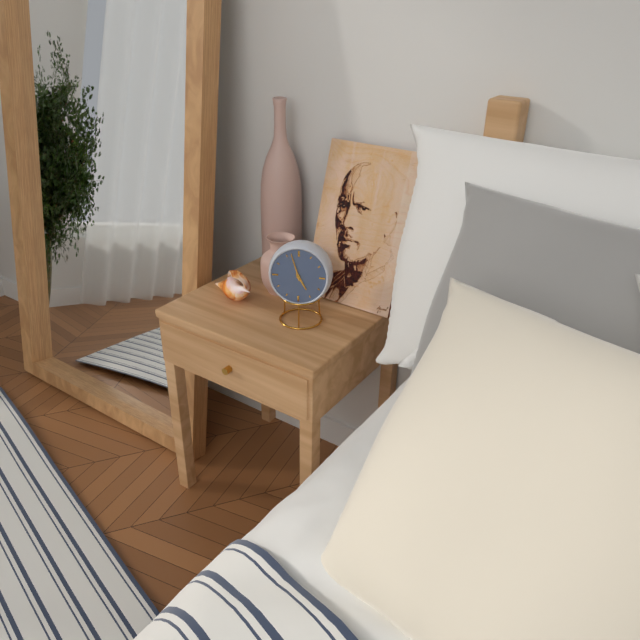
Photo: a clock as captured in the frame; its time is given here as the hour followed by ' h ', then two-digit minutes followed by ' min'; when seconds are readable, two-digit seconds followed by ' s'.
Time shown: 4 h 57 min
